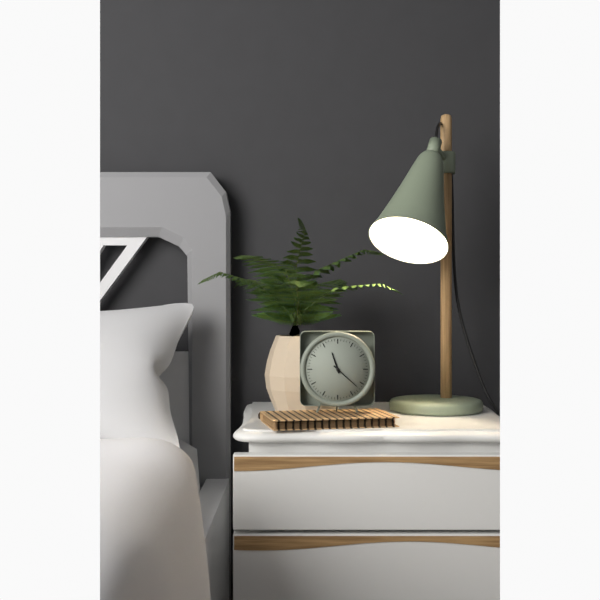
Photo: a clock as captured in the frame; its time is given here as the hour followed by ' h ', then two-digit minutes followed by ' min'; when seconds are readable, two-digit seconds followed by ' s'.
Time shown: 11 h 22 min
